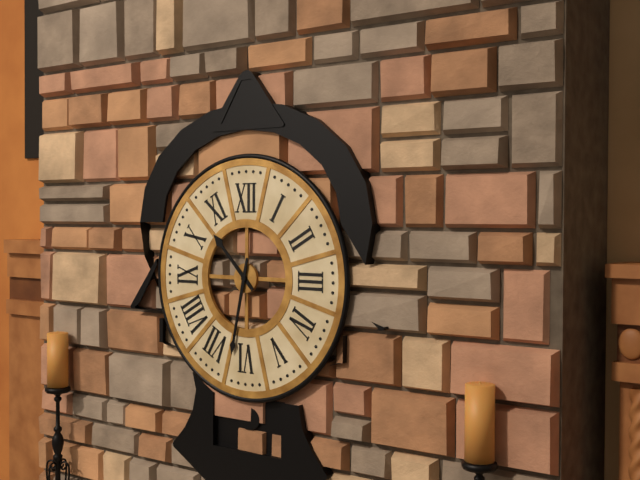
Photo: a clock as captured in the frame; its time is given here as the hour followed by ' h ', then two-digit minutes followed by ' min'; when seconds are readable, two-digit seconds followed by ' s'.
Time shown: 10 h 32 min
